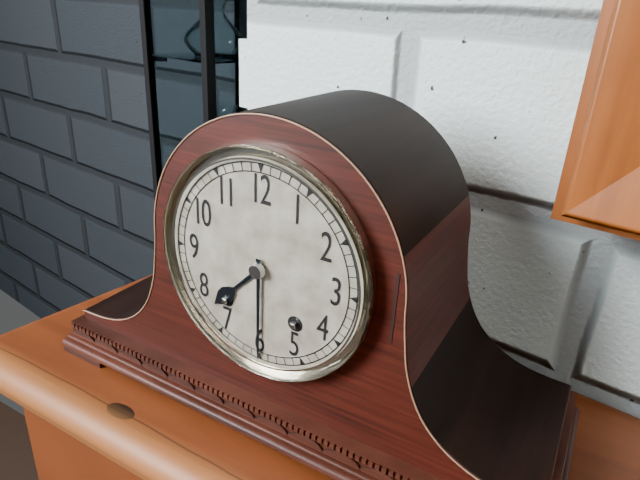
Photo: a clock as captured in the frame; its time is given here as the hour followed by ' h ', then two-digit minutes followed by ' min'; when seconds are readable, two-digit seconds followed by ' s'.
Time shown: 7 h 30 min
